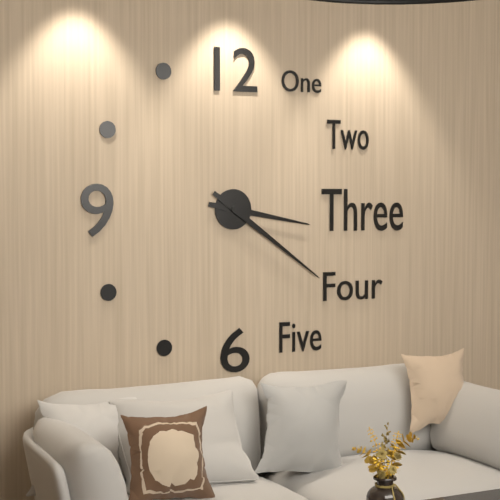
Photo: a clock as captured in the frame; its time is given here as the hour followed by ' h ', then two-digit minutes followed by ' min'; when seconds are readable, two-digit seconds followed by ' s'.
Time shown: 3 h 21 min
